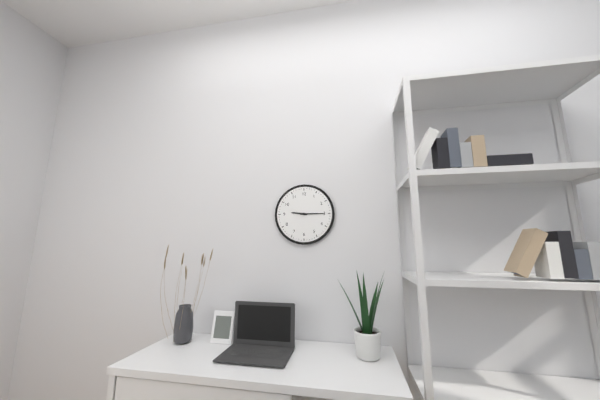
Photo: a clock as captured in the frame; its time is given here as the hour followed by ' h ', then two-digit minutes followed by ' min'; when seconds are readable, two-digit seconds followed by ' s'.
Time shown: 9 h 15 min
